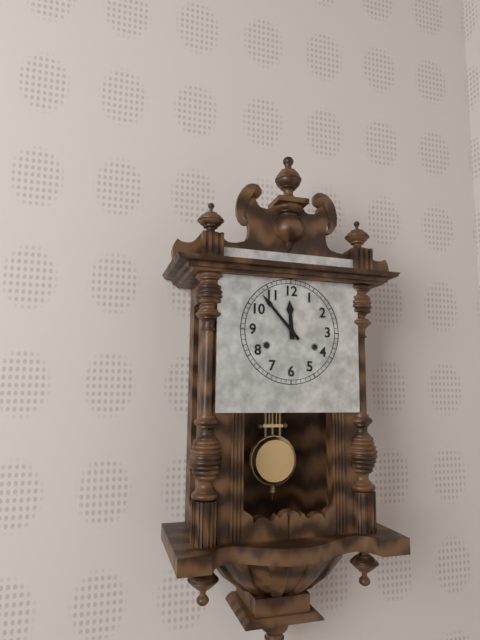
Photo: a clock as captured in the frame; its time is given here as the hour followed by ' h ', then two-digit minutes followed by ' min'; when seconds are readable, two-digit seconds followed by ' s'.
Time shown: 11 h 53 min
